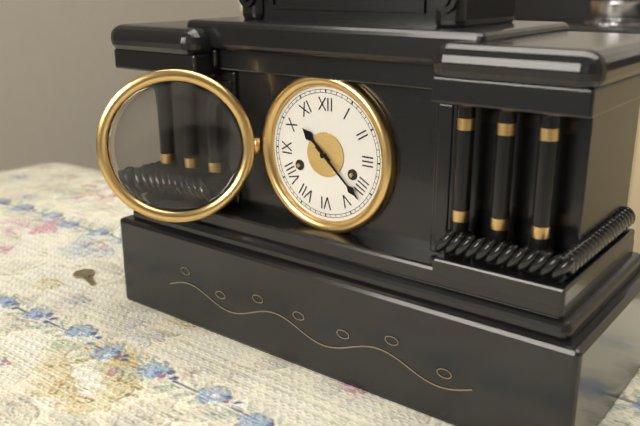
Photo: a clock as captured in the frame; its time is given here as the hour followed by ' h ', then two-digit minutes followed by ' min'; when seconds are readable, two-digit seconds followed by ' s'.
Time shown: 10 h 22 min
